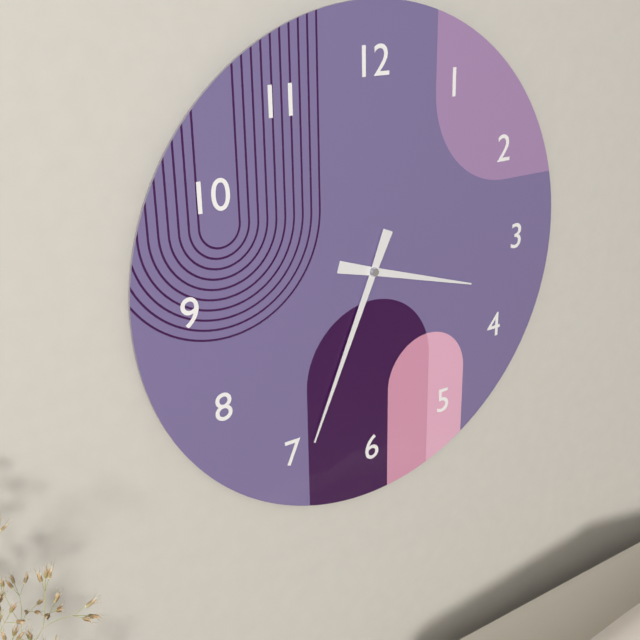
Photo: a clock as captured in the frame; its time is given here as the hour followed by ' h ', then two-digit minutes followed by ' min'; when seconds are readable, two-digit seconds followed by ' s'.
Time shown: 3 h 34 min
